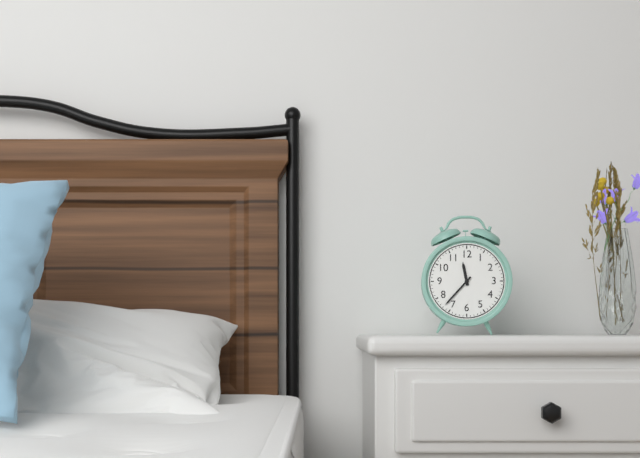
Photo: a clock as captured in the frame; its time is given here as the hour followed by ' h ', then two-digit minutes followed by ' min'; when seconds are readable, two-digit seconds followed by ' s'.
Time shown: 11 h 37 min
